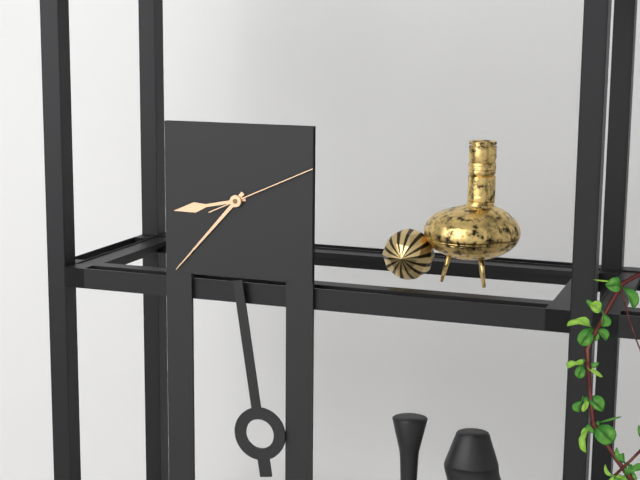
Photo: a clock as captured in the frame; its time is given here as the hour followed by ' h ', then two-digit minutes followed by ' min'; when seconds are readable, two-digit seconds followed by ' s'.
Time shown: 8 h 37 min 11 s
